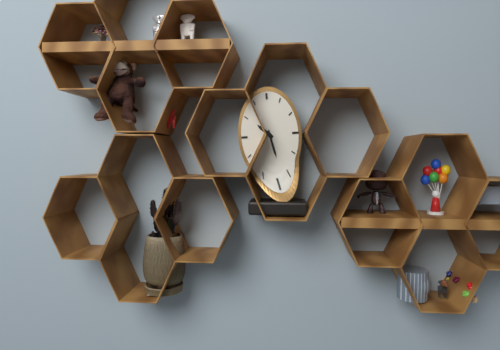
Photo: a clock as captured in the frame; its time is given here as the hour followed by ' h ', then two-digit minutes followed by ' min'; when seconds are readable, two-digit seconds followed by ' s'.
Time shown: 10 h 28 min
